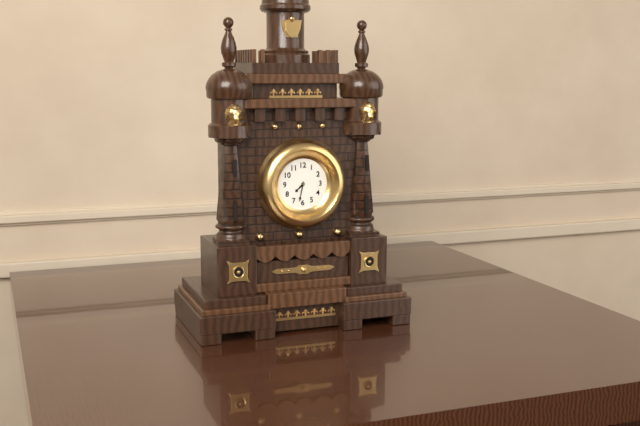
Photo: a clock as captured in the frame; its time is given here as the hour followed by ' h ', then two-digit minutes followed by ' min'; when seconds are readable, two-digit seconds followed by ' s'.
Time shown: 7 h 32 min
